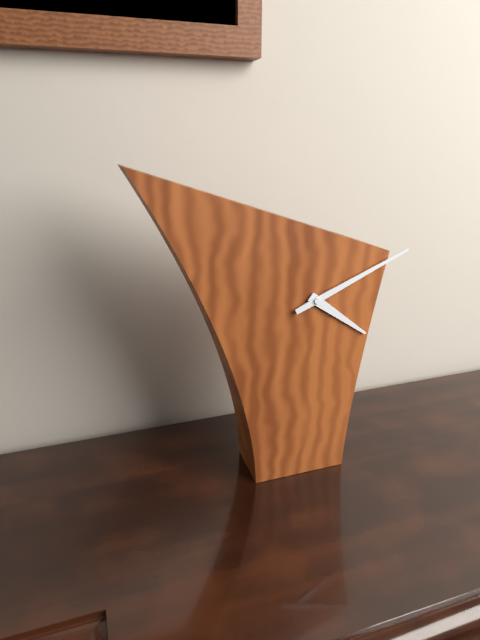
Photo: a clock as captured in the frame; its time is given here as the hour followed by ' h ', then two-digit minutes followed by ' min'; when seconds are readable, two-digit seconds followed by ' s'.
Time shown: 4 h 11 min
